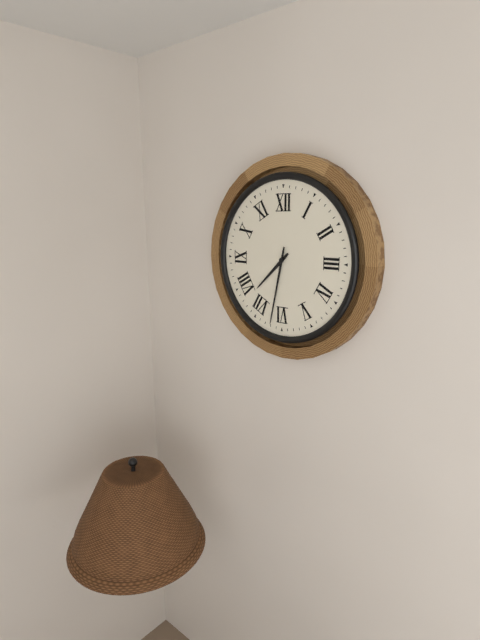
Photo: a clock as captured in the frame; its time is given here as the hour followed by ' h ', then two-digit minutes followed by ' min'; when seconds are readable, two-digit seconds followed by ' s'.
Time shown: 7 h 32 min
